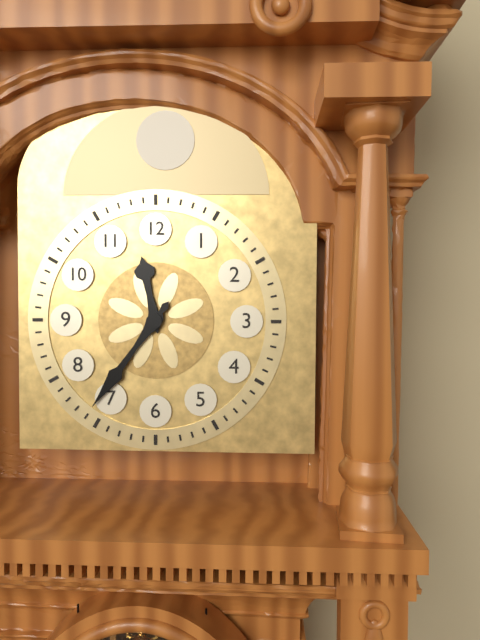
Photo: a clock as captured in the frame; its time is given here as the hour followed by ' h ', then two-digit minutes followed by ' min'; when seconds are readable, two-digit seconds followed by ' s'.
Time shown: 11 h 36 min
